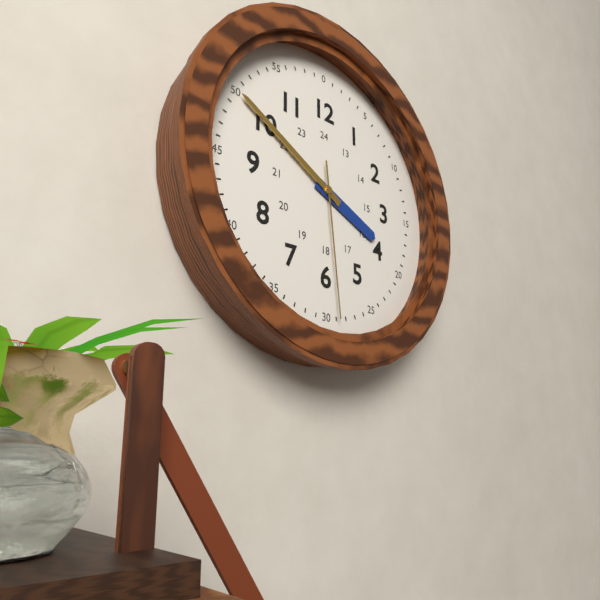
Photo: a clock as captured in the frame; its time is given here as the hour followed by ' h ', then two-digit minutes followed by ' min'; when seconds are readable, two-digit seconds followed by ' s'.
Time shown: 3 h 50 min 29 s
